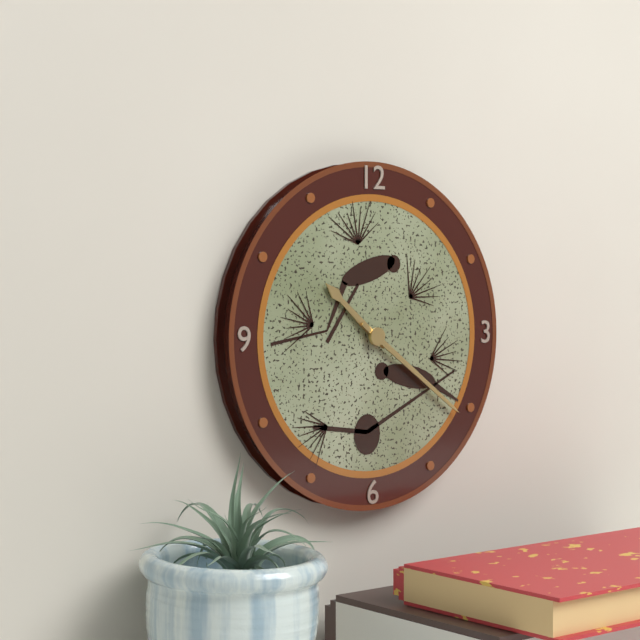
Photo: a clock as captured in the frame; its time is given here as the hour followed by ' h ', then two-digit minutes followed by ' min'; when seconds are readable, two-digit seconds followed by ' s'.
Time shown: 10 h 21 min
